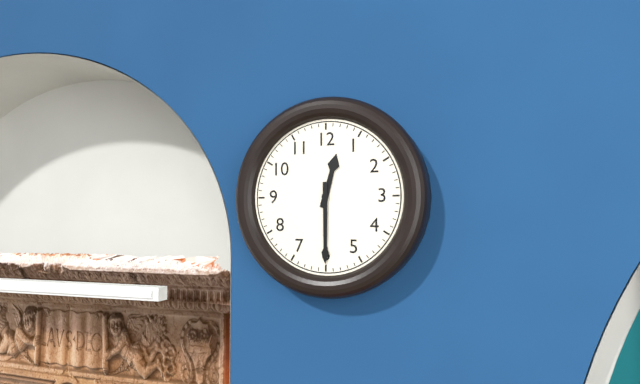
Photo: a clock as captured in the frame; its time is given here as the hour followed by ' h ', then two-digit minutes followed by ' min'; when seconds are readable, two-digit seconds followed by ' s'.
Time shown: 12 h 30 min
